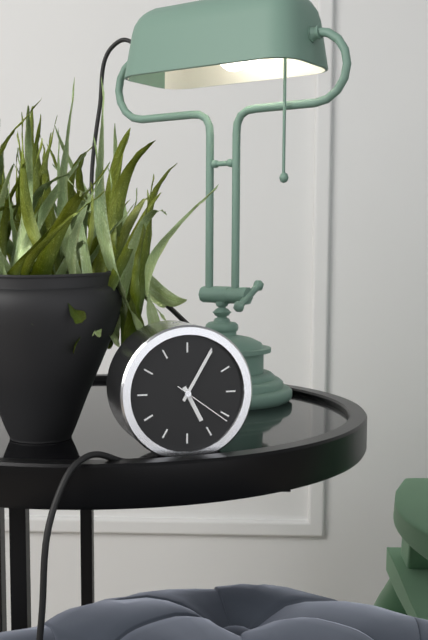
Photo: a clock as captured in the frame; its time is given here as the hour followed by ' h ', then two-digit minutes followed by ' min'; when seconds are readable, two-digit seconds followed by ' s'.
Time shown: 5 h 05 min 21 s
